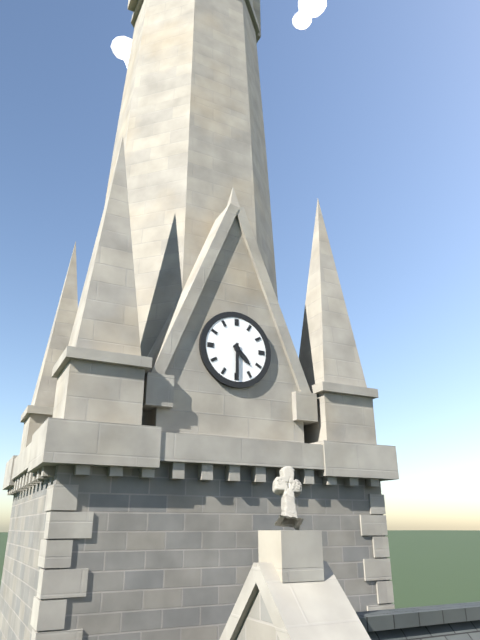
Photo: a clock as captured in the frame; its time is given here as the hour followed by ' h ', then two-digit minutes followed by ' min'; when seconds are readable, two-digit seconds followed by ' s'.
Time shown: 4 h 30 min
